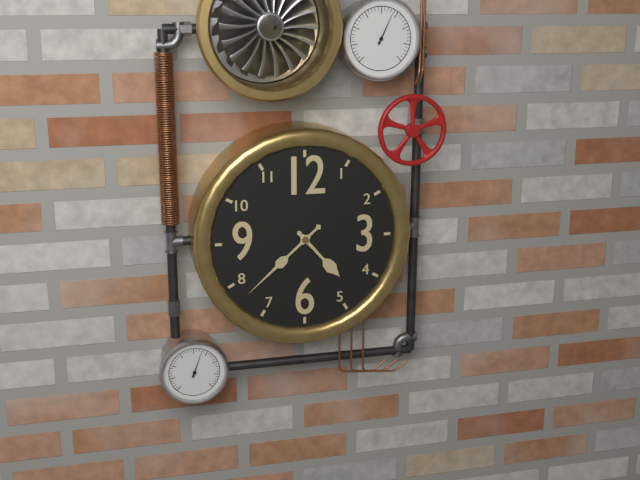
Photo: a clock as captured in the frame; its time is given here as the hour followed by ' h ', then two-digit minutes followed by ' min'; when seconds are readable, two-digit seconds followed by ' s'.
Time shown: 4 h 38 min
